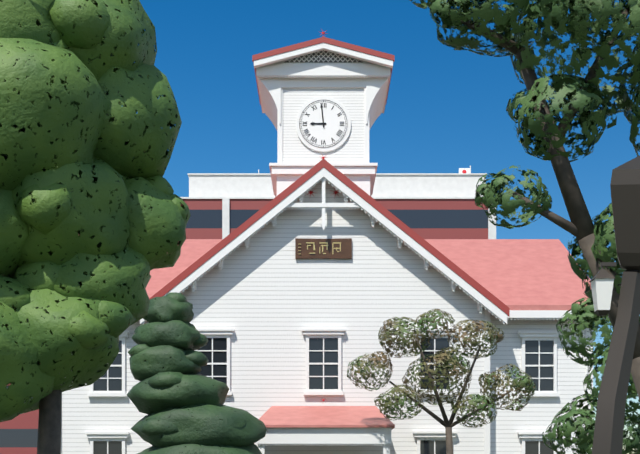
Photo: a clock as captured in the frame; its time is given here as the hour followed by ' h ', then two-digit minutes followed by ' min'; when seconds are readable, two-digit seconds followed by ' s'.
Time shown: 8 h 59 min
